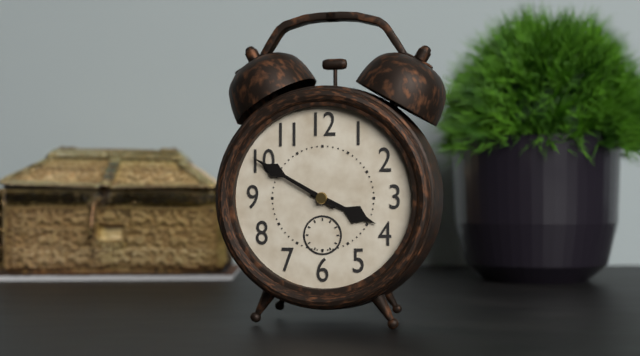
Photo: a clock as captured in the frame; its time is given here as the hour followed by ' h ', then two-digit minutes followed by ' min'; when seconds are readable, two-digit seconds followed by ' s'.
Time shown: 3 h 50 min
